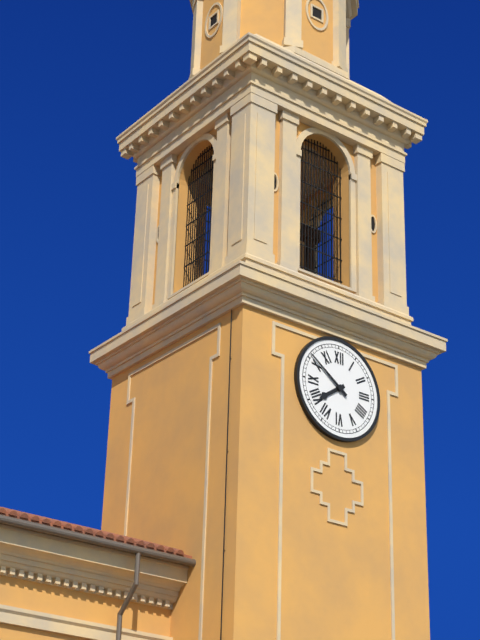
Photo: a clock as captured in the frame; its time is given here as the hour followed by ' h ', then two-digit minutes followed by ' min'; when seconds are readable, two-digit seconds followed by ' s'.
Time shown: 7 h 51 min
